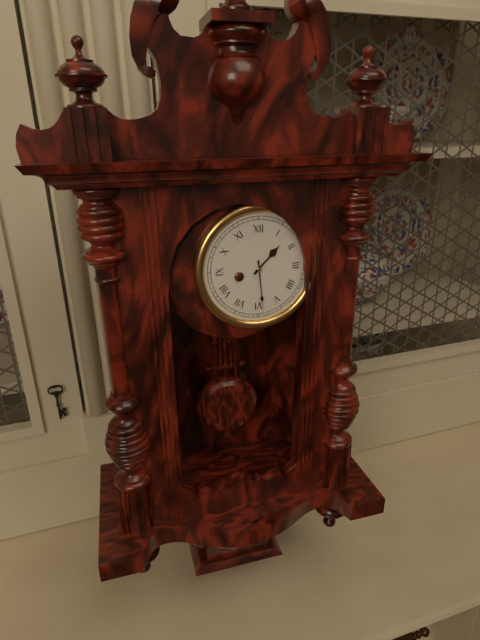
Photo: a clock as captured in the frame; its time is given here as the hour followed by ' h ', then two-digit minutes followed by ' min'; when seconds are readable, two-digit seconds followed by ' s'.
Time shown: 1 h 29 min
